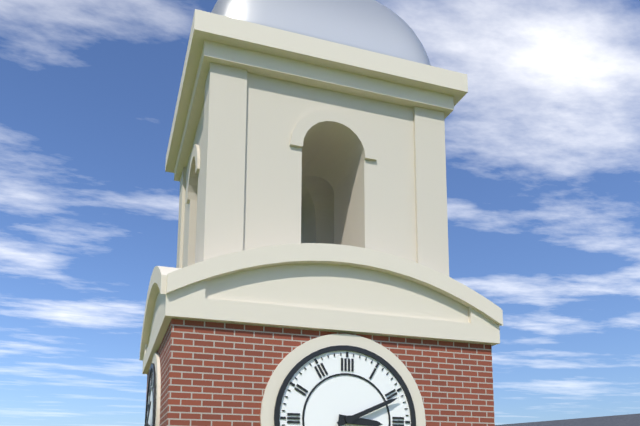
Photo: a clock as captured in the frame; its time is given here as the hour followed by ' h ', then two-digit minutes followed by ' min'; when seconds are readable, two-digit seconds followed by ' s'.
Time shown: 3 h 11 min
